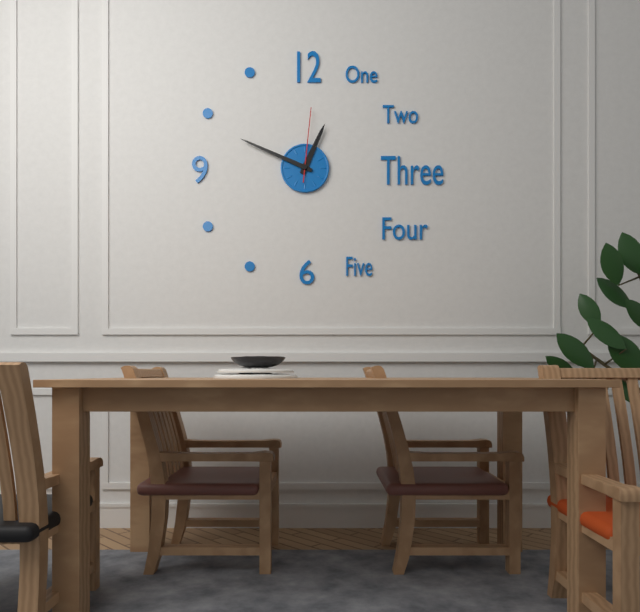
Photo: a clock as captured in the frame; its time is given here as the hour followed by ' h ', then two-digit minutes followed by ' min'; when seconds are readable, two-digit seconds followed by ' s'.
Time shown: 12 h 49 min 01 s
